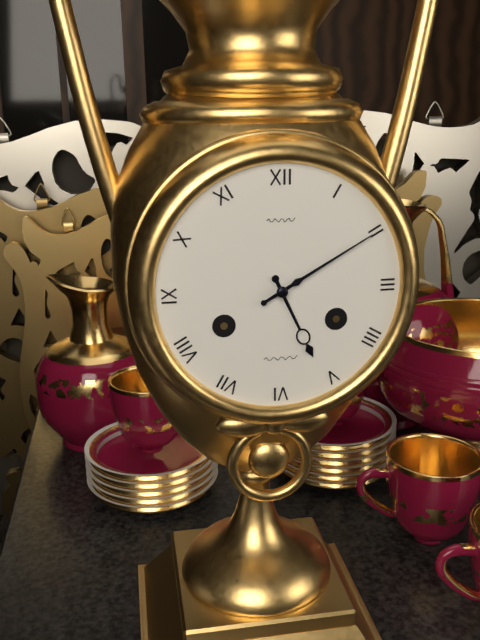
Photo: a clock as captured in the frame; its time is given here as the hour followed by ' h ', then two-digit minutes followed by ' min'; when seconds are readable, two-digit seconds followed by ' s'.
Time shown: 5 h 10 min
